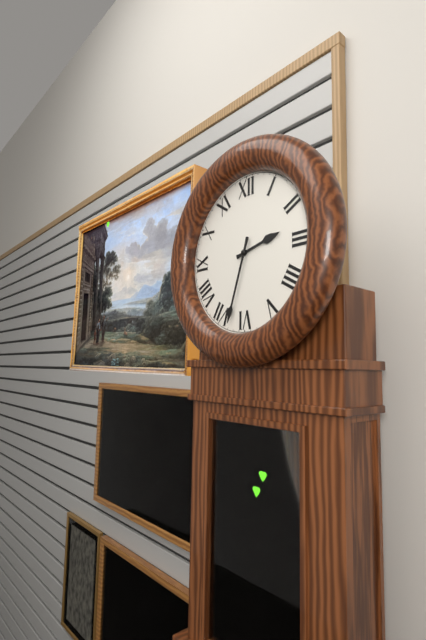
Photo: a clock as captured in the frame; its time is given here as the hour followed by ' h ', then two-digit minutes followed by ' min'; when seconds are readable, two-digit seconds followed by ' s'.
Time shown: 2 h 33 min
